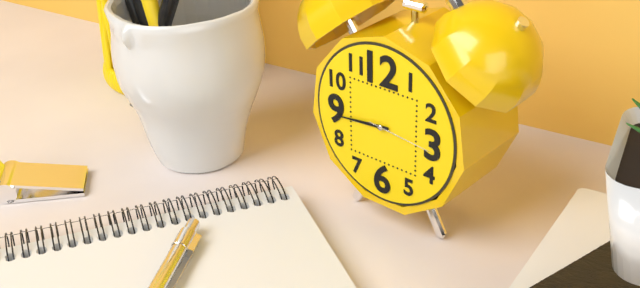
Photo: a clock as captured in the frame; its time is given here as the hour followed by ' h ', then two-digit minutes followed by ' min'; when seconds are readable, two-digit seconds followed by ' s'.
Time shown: 8 h 44 min 16 s
